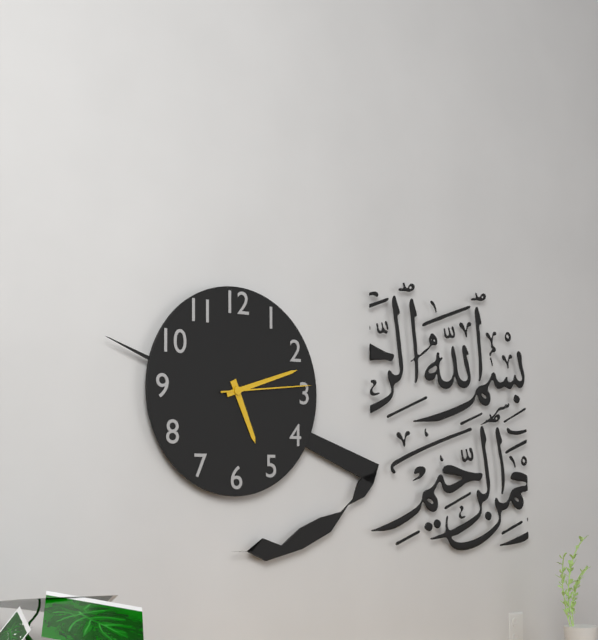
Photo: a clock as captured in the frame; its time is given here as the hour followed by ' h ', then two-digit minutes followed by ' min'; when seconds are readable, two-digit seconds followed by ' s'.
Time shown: 5 h 12 min 14 s
